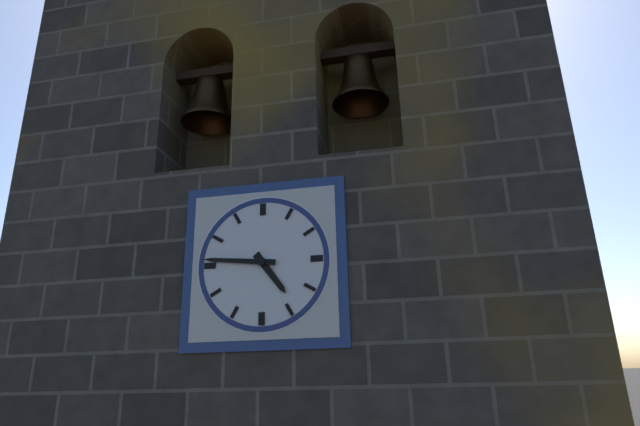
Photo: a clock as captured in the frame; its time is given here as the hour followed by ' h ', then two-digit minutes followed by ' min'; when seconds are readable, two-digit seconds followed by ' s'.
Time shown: 4 h 46 min
